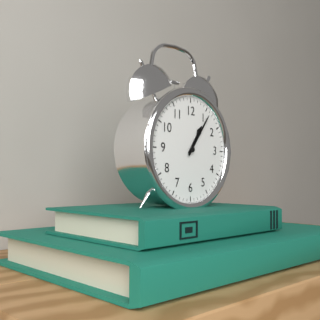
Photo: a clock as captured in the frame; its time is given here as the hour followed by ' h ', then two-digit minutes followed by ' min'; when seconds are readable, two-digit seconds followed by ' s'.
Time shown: 1 h 06 min
